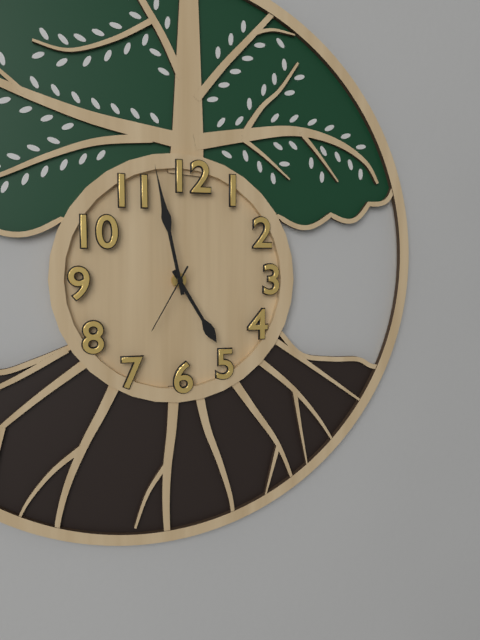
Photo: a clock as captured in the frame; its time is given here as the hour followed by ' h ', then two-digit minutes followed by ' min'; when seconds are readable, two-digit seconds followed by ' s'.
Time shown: 4 h 58 min 35 s
